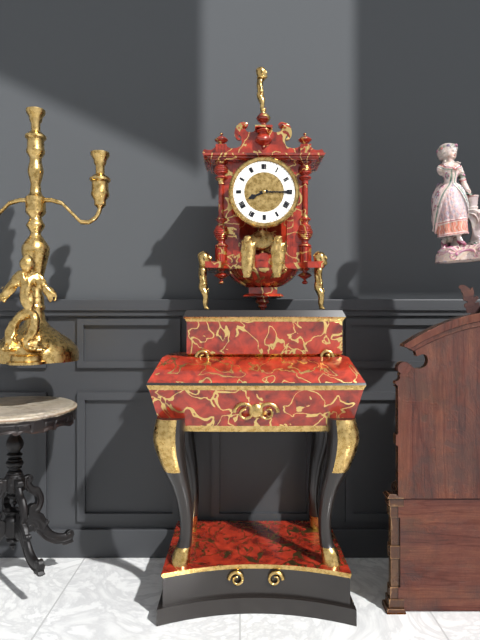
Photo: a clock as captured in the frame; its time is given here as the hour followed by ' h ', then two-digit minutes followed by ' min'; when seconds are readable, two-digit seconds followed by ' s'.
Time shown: 8 h 15 min
